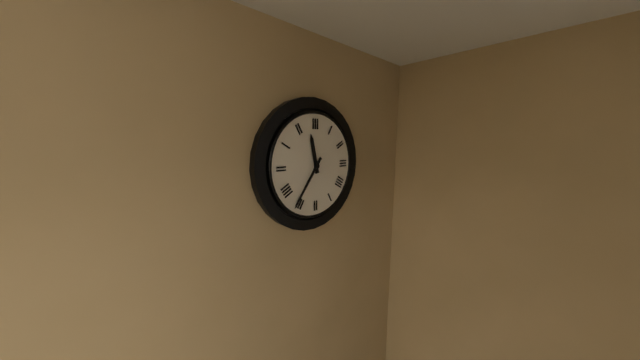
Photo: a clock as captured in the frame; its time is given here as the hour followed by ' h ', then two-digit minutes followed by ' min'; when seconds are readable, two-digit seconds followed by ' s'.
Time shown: 11 h 36 min
